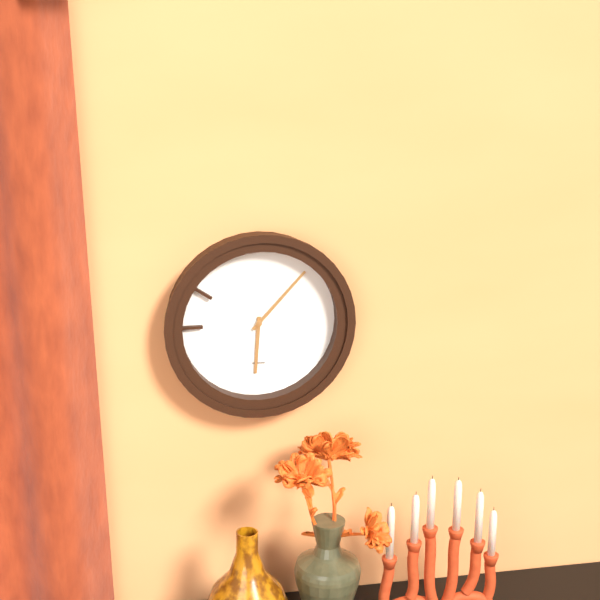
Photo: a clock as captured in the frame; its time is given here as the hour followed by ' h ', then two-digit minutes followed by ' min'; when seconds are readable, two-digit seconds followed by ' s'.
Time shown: 6 h 07 min
